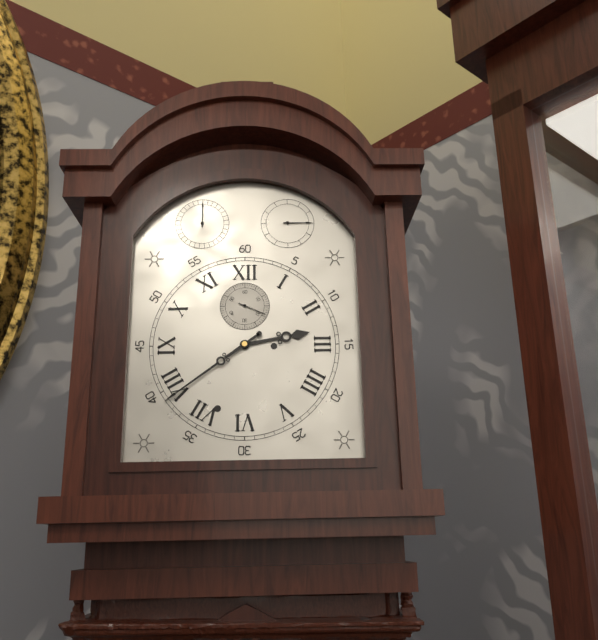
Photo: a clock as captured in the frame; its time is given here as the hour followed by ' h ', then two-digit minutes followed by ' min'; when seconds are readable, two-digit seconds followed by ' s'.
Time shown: 2 h 39 min
